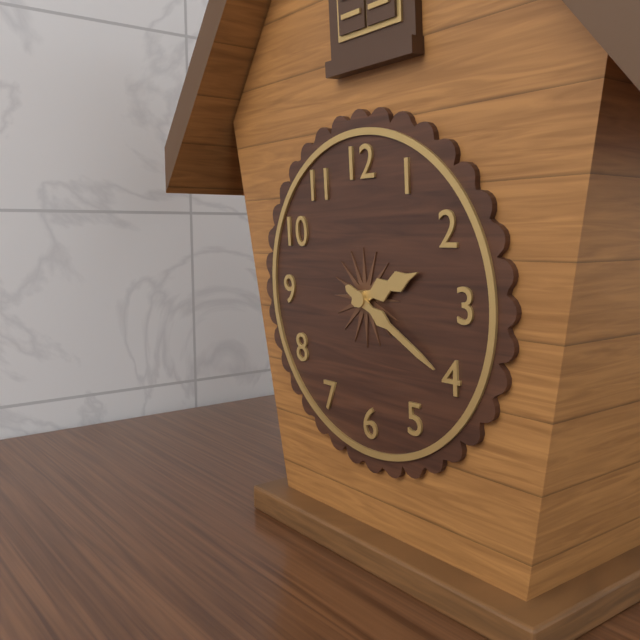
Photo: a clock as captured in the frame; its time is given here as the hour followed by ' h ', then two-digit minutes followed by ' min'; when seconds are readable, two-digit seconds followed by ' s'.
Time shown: 2 h 20 min
